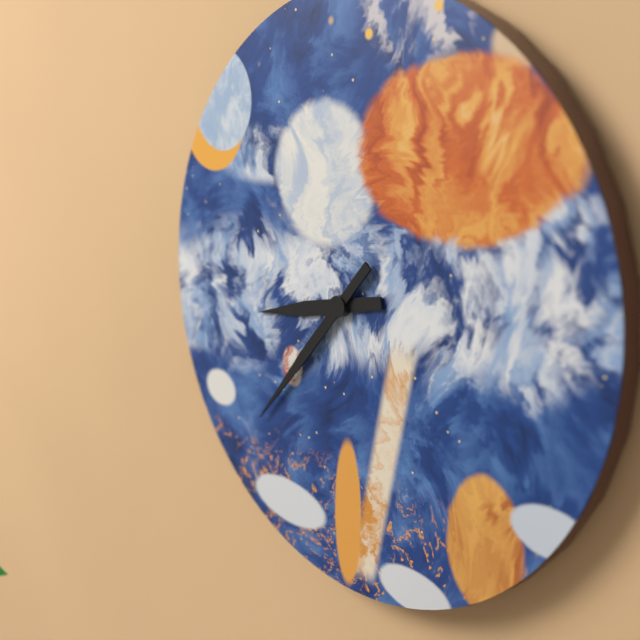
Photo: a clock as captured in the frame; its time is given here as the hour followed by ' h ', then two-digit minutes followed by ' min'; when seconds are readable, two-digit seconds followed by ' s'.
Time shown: 8 h 37 min
